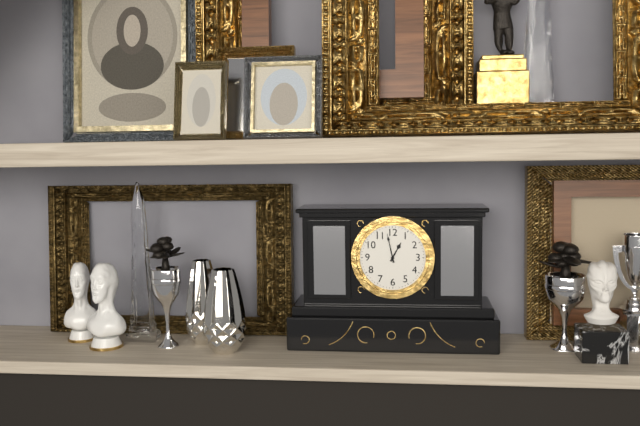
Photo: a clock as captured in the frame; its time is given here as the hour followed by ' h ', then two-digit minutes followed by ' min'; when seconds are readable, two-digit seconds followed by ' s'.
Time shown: 12 h 58 min
